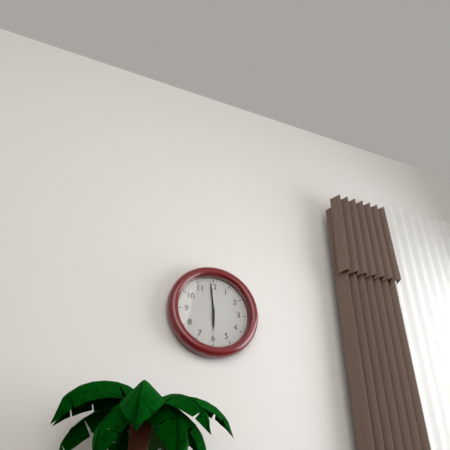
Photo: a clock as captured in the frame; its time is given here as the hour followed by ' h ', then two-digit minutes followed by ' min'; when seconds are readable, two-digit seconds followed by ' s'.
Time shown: 5 h 59 min
